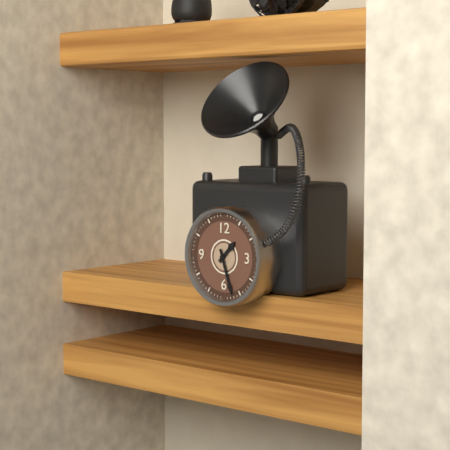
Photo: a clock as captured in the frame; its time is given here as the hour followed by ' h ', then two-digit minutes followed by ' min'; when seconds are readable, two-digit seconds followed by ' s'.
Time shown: 1 h 27 min
